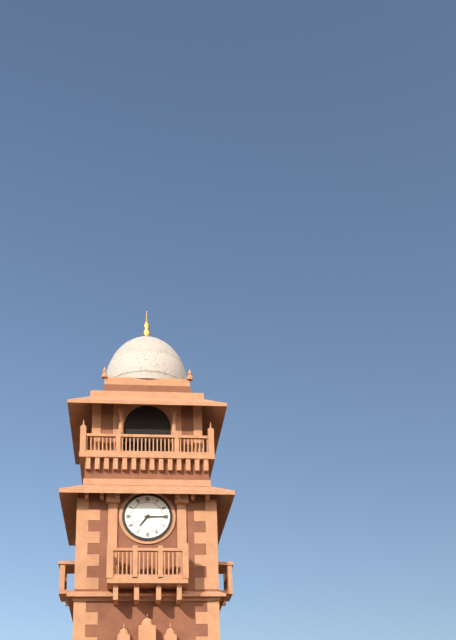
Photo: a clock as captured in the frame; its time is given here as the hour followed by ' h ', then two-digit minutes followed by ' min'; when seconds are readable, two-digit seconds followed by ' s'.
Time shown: 7 h 15 min
